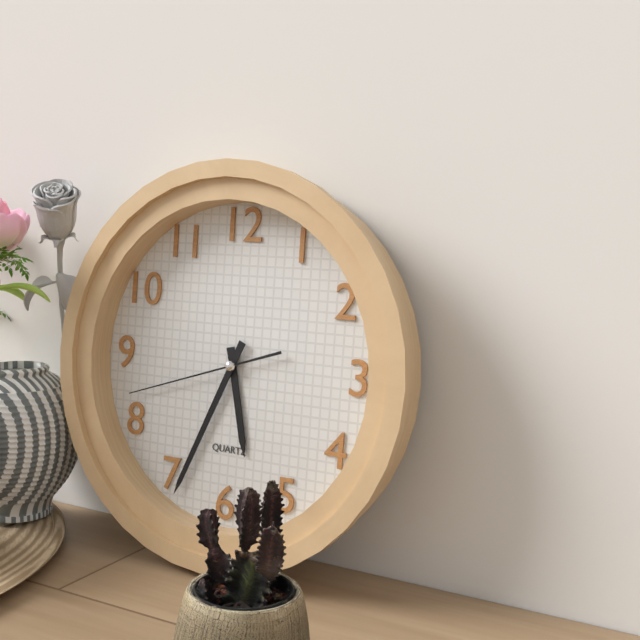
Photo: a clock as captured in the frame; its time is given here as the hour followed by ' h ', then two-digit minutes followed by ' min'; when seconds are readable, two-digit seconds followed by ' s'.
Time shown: 5 h 34 min 42 s
